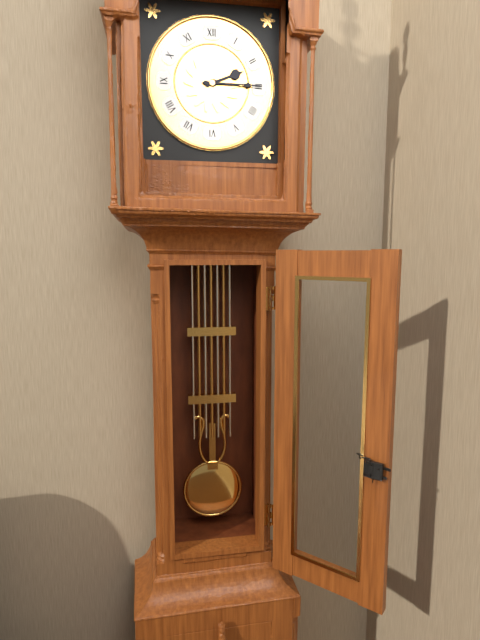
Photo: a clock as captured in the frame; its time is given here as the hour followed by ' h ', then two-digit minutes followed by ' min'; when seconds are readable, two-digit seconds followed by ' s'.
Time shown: 2 h 15 min
